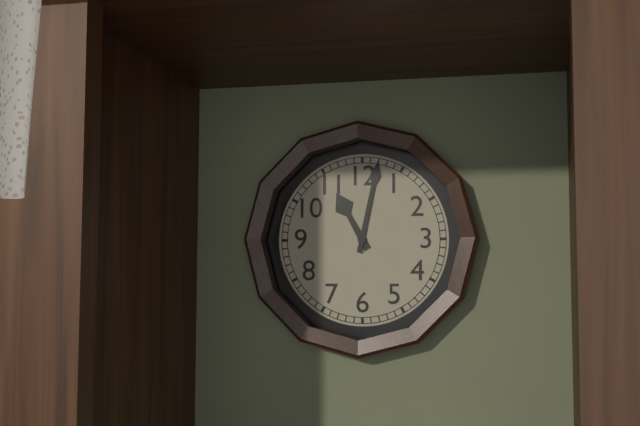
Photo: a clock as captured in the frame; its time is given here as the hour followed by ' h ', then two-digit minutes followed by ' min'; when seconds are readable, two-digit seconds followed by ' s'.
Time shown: 11 h 02 min
